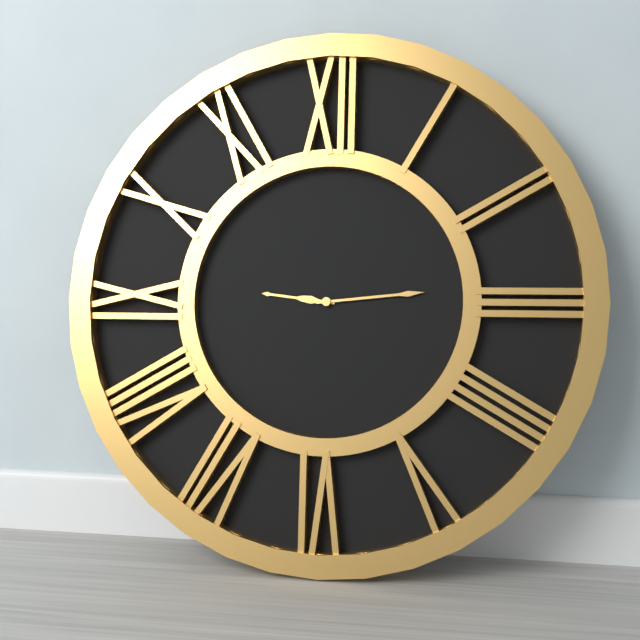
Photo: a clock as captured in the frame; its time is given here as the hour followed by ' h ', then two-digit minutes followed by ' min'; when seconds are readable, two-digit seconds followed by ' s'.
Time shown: 9 h 14 min
